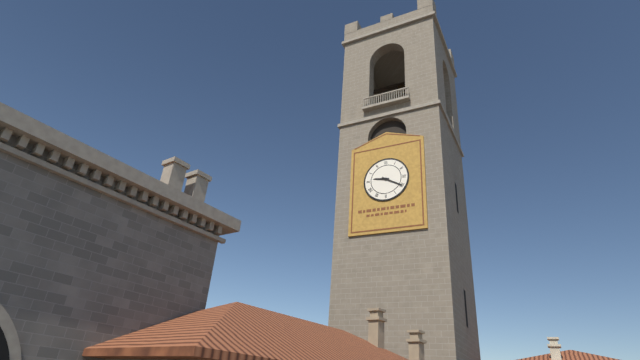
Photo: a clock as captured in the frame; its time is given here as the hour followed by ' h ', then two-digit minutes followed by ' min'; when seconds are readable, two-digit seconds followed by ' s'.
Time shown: 9 h 20 min
